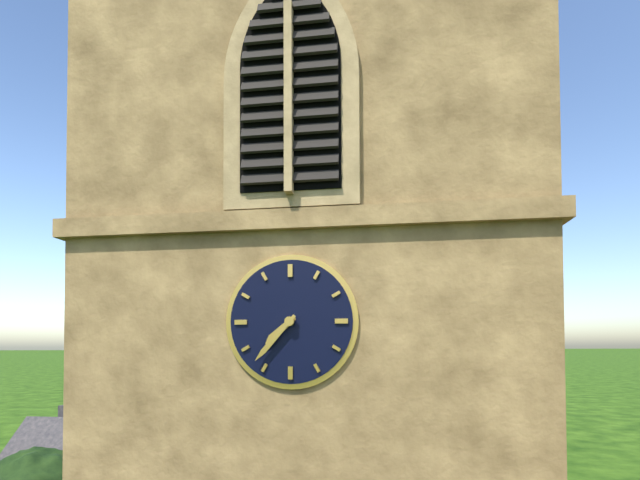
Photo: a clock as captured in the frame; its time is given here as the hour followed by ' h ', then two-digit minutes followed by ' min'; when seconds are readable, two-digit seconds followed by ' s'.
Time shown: 7 h 37 min
